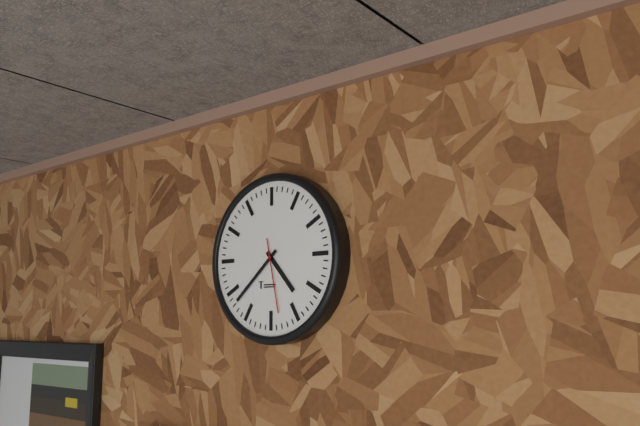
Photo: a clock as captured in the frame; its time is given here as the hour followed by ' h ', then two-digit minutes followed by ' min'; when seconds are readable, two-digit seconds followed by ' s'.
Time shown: 4 h 38 min 28 s
